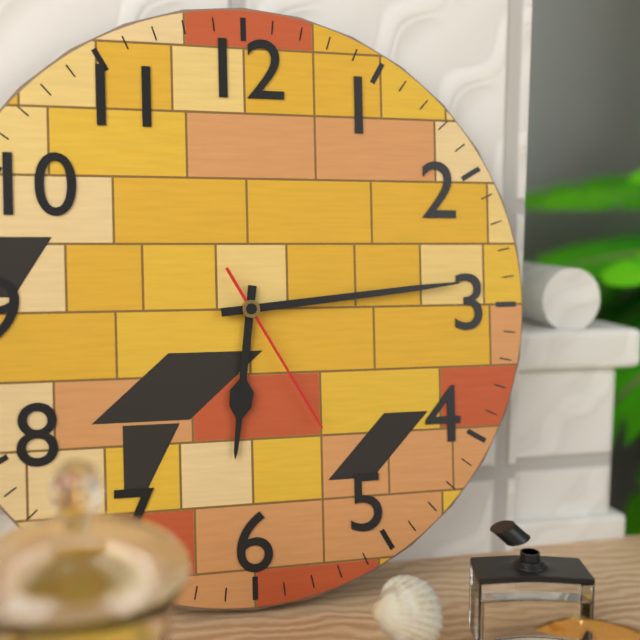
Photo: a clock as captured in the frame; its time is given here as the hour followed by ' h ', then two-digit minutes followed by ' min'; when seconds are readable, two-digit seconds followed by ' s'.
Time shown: 6 h 14 min 25 s
